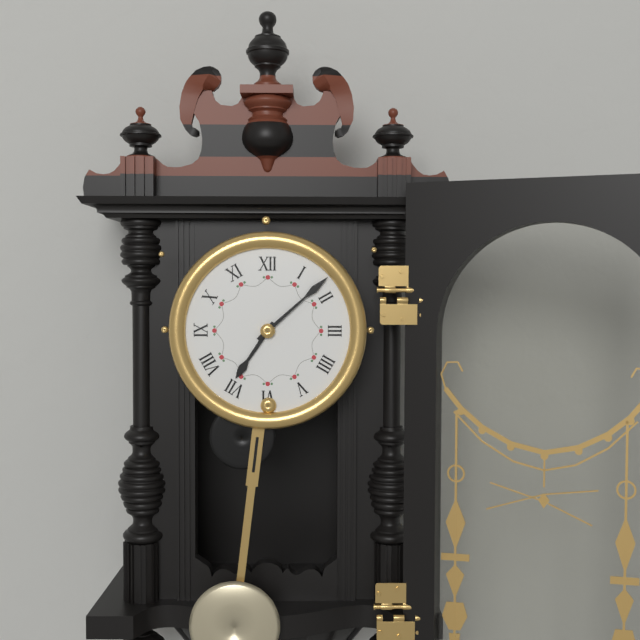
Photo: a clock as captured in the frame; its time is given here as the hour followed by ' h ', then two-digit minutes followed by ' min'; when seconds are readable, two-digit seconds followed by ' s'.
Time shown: 7 h 08 min
